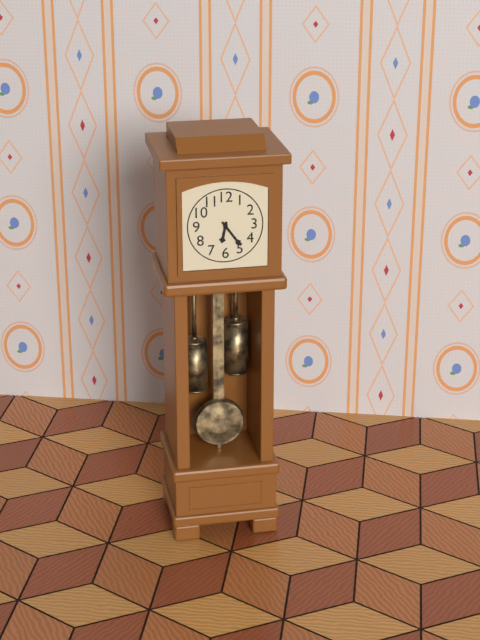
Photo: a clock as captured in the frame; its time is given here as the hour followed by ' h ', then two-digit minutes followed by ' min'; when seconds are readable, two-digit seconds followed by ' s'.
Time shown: 6 h 24 min
